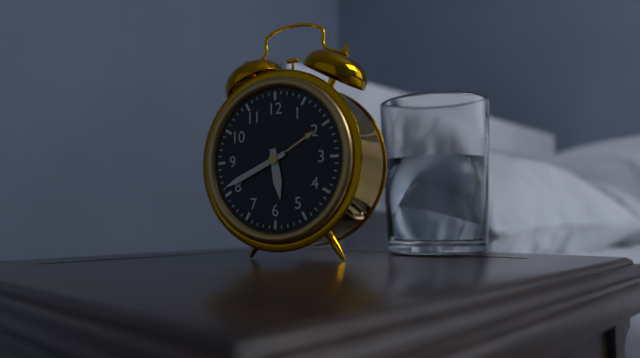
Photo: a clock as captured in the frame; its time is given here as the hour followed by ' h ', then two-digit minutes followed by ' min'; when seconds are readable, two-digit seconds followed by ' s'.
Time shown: 5 h 41 min
